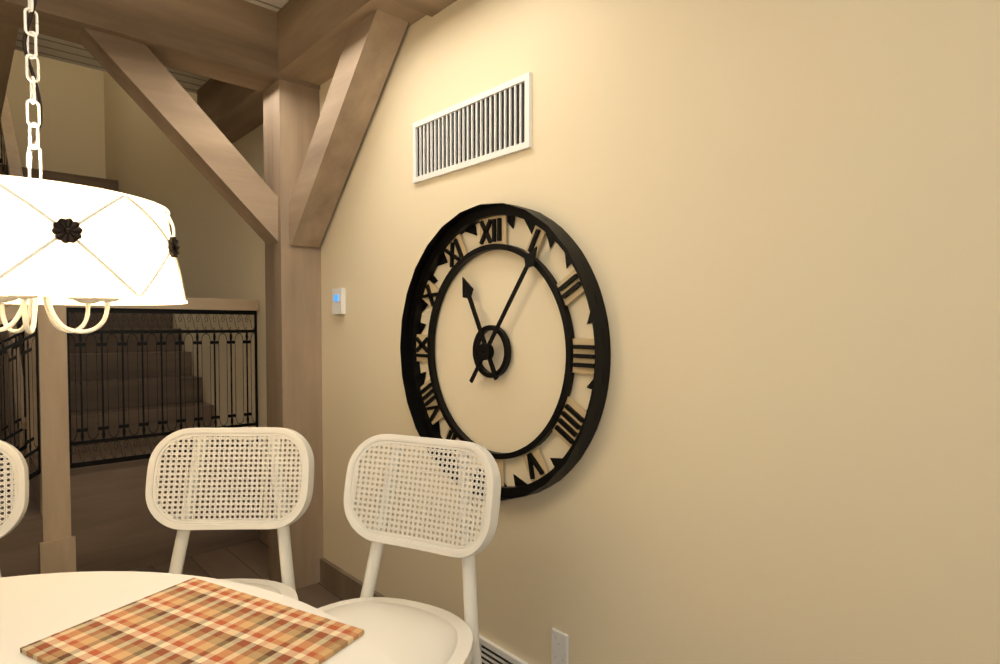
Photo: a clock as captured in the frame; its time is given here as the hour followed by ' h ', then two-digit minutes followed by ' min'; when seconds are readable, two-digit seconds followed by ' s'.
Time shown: 11 h 06 min
